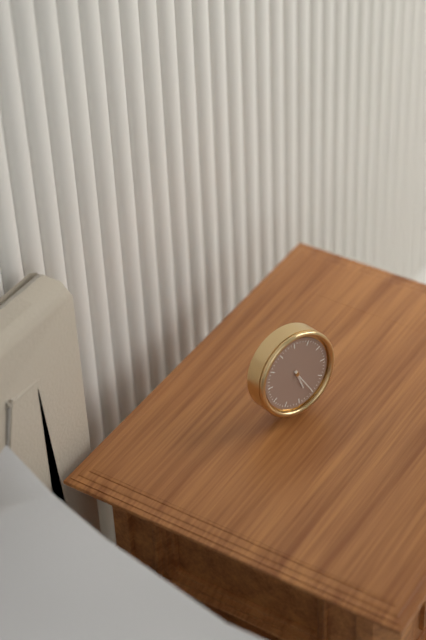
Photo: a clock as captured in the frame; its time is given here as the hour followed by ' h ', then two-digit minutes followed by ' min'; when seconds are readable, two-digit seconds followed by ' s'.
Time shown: 5 h 25 min
